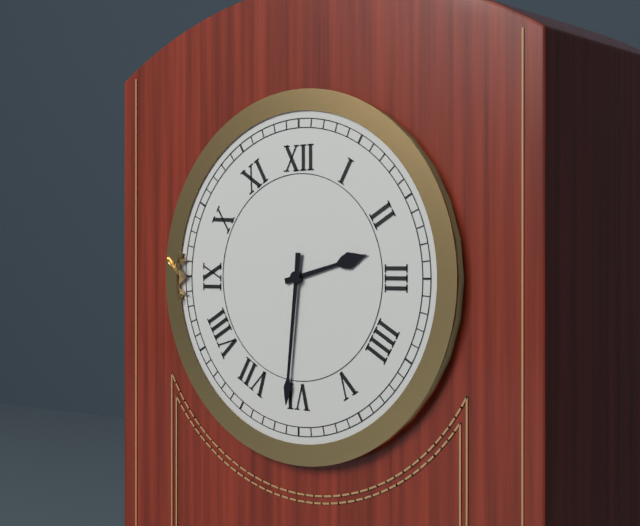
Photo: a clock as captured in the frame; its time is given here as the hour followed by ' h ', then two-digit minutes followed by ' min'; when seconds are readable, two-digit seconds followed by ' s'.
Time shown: 2 h 31 min
